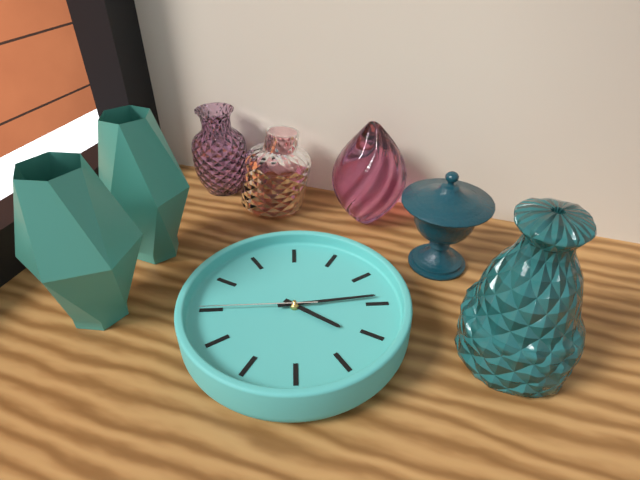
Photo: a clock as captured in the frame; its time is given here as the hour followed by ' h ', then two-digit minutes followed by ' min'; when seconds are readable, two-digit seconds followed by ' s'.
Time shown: 4 h 14 min 45 s
